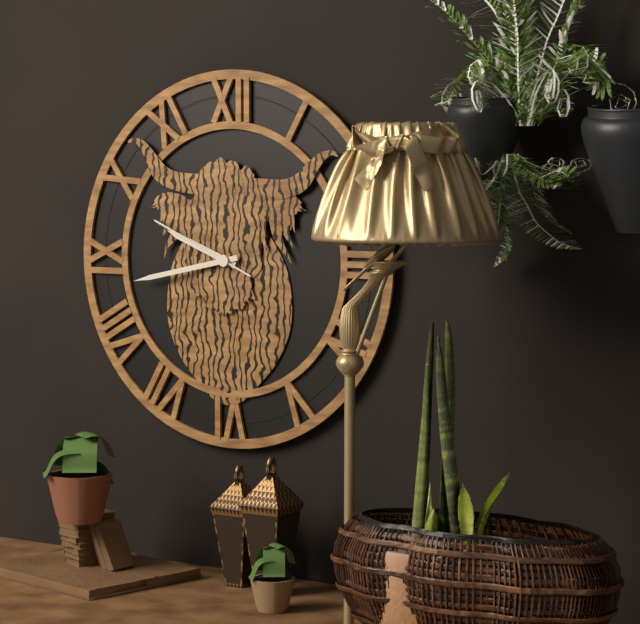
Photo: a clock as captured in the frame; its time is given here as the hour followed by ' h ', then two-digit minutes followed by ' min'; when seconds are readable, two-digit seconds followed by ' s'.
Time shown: 9 h 43 min 49 s
